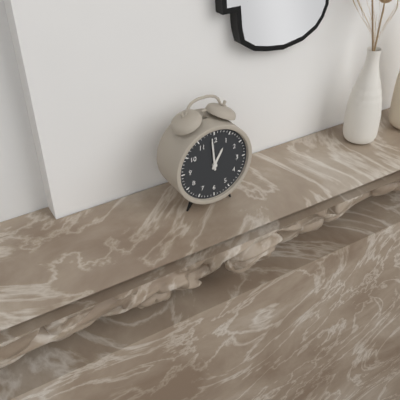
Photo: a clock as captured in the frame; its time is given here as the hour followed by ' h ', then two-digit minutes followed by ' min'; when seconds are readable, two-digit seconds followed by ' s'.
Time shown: 12 h 59 min
